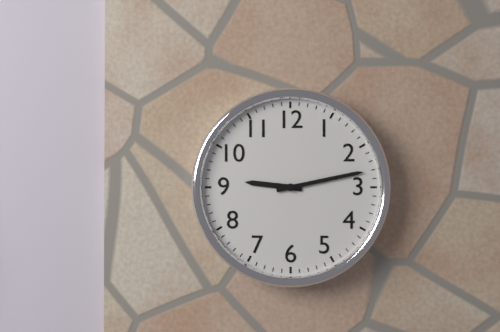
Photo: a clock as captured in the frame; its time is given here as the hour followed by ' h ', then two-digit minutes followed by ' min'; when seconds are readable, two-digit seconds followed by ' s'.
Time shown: 9 h 13 min
